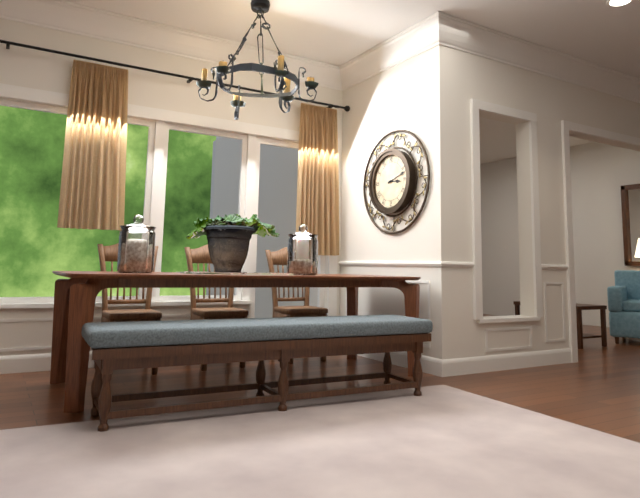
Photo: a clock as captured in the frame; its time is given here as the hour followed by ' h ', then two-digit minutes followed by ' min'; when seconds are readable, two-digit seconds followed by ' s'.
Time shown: 3 h 12 min
